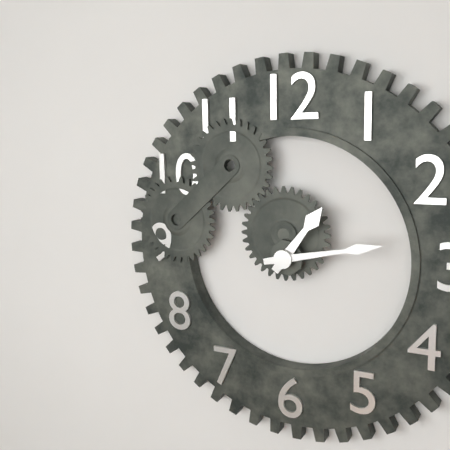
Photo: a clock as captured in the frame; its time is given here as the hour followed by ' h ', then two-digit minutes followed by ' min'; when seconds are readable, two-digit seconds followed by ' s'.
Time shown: 1 h 13 min
